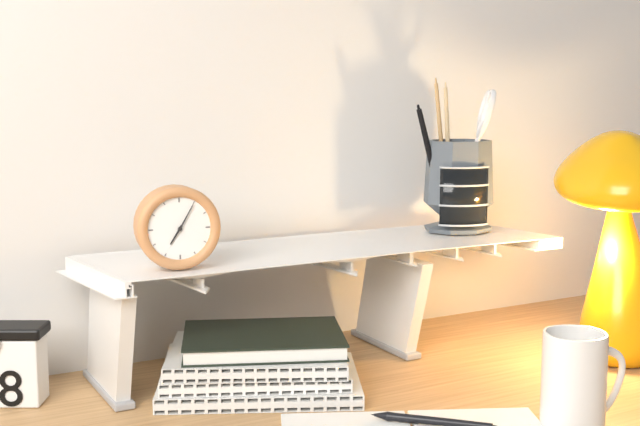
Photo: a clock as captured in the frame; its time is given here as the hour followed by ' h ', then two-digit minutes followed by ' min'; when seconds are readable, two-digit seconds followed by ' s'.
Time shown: 7 h 05 min
